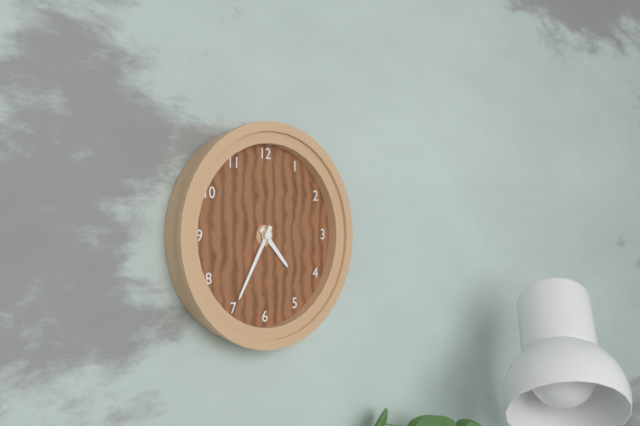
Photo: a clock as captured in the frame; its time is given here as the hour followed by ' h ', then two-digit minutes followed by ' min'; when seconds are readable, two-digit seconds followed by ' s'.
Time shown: 4 h 35 min
